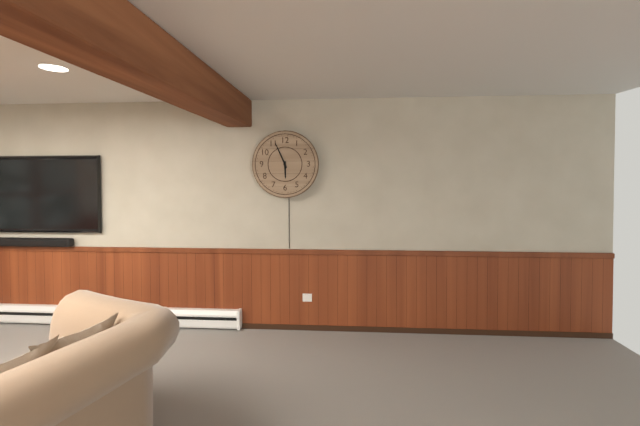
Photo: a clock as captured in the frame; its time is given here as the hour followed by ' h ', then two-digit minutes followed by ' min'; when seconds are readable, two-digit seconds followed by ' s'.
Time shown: 5 h 56 min
